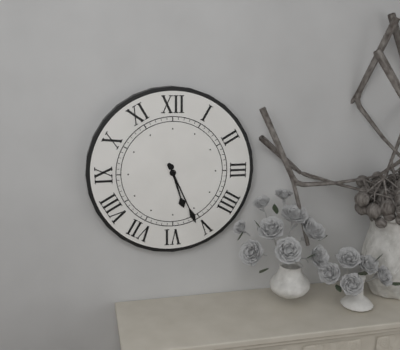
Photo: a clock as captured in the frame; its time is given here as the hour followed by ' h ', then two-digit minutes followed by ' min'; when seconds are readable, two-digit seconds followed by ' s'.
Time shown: 5 h 26 min
